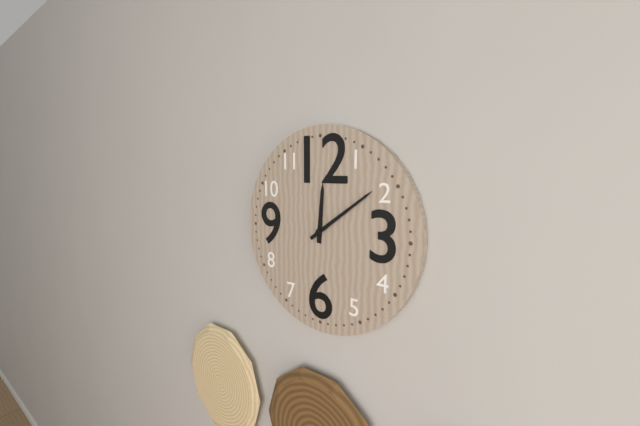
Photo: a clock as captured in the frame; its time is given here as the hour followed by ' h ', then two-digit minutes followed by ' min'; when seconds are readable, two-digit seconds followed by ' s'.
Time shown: 12 h 09 min
